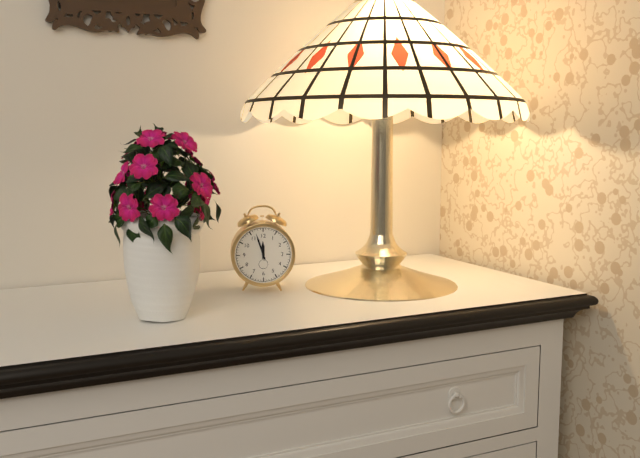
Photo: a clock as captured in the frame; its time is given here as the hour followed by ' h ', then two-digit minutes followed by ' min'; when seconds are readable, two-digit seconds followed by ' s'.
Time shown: 11 h 57 min
